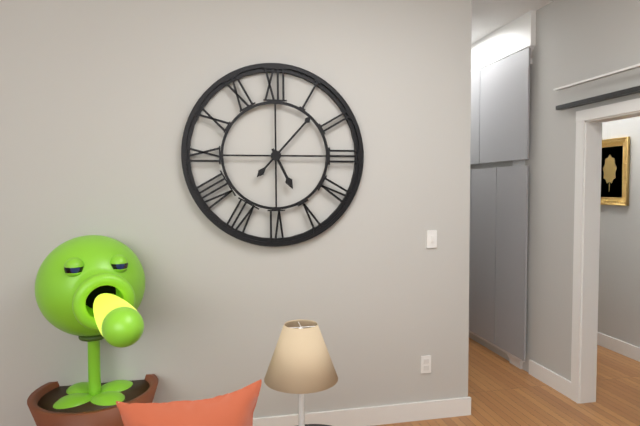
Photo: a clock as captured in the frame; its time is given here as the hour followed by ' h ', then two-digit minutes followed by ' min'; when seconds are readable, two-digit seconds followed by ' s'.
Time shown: 5 h 07 min
